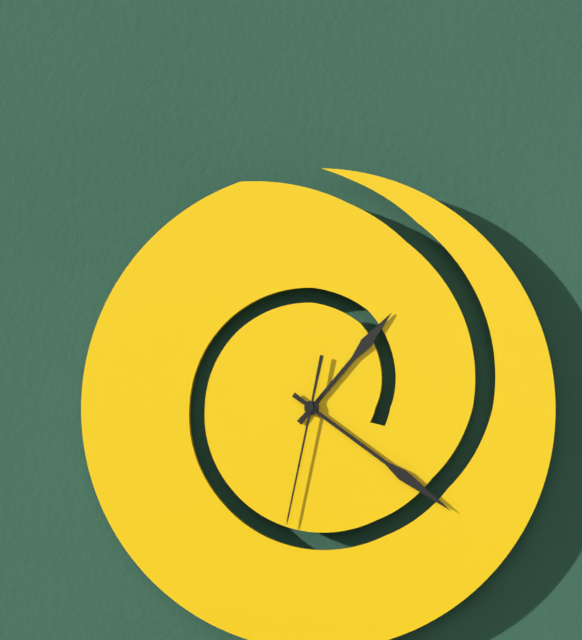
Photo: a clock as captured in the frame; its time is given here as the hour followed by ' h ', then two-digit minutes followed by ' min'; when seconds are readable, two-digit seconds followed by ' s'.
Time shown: 1 h 21 min 32 s
